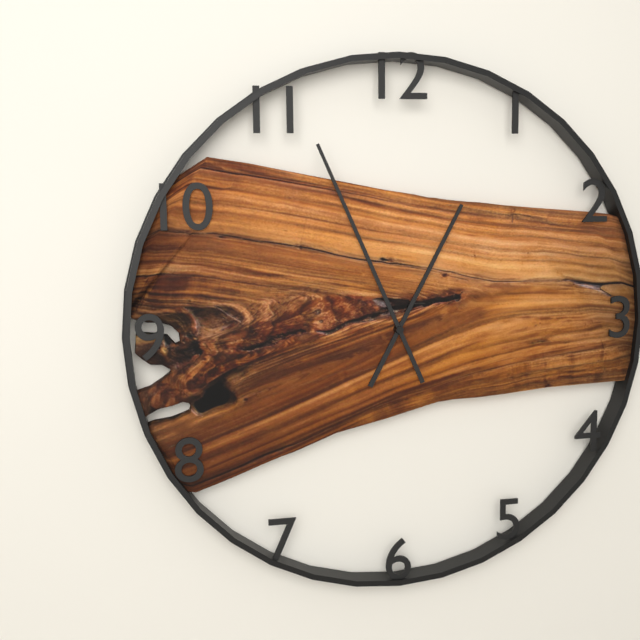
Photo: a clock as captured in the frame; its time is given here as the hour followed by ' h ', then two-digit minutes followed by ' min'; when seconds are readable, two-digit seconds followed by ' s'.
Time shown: 12 h 56 min
